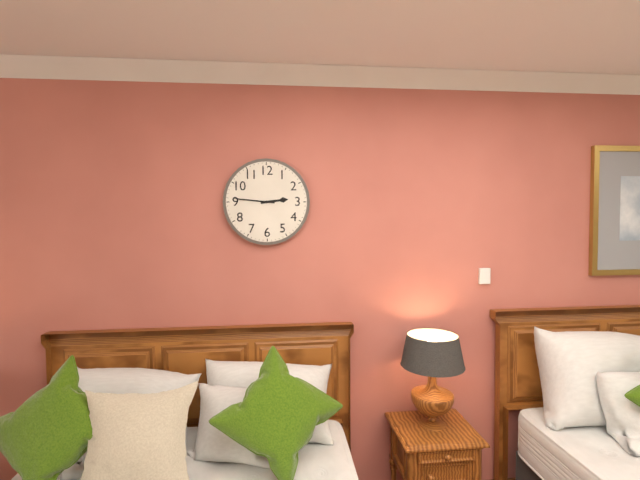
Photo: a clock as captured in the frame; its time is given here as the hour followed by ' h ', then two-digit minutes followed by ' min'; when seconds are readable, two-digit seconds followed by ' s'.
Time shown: 2 h 46 min
